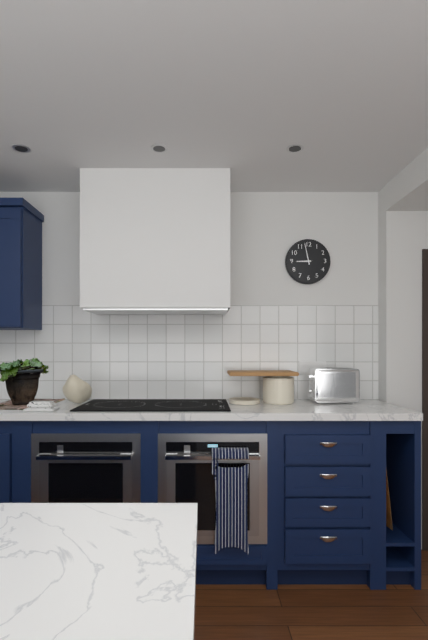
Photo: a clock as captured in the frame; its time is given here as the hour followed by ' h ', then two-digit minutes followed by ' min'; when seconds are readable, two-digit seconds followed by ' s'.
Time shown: 8 h 58 min
